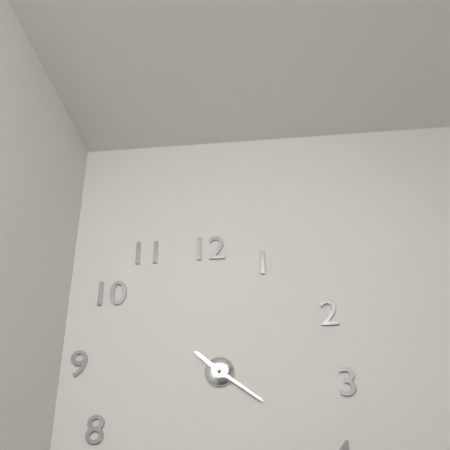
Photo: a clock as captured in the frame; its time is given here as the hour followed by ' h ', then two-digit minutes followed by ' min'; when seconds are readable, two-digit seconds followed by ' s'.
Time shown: 10 h 21 min
